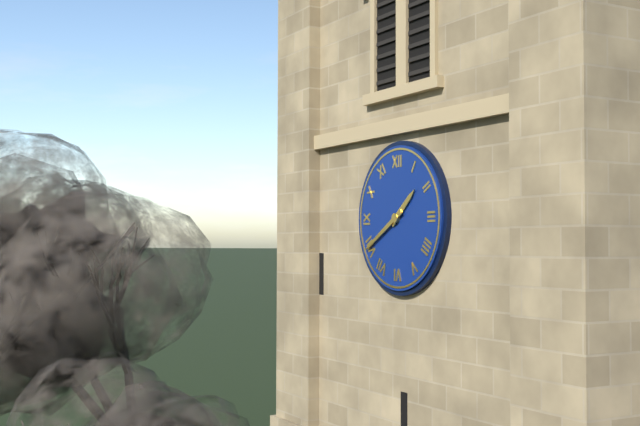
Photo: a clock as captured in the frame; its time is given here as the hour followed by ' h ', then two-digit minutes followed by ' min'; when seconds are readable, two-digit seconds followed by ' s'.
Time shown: 1 h 40 min
